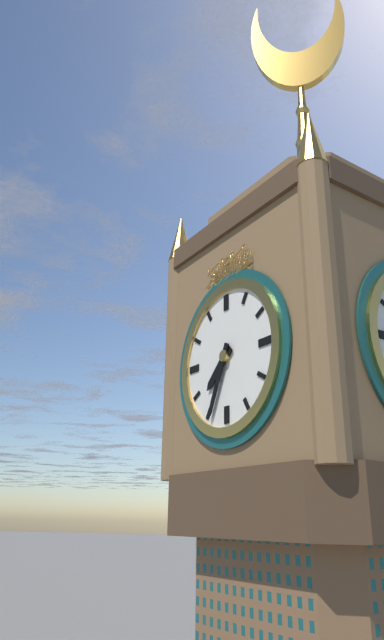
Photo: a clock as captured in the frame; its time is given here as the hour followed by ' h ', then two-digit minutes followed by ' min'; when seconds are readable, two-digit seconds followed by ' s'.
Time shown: 7 h 34 min
